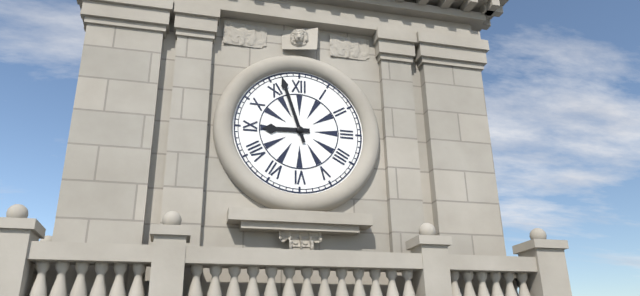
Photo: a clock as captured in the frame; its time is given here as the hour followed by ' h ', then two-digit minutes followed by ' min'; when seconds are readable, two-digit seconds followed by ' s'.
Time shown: 8 h 57 min
